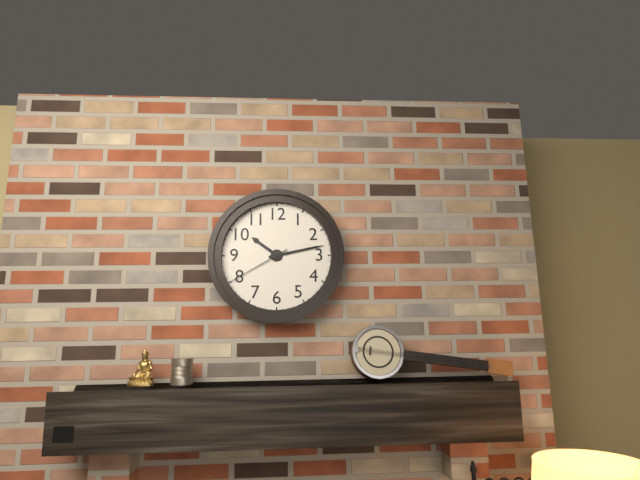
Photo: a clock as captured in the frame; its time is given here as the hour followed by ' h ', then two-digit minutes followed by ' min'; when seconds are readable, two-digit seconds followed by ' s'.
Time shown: 10 h 13 min 40 s
